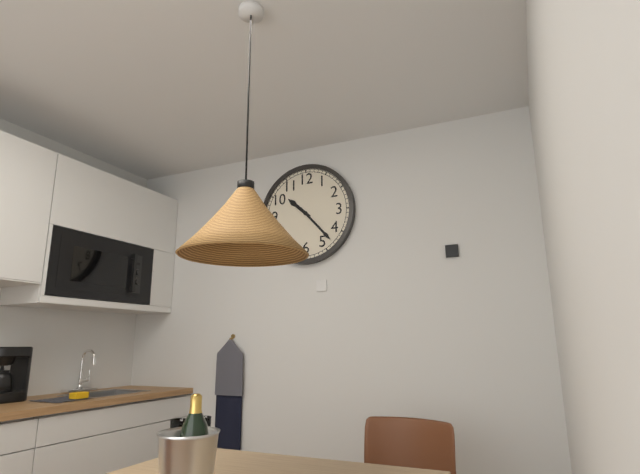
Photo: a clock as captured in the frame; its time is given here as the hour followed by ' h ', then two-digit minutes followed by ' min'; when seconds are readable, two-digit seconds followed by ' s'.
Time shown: 10 h 23 min
